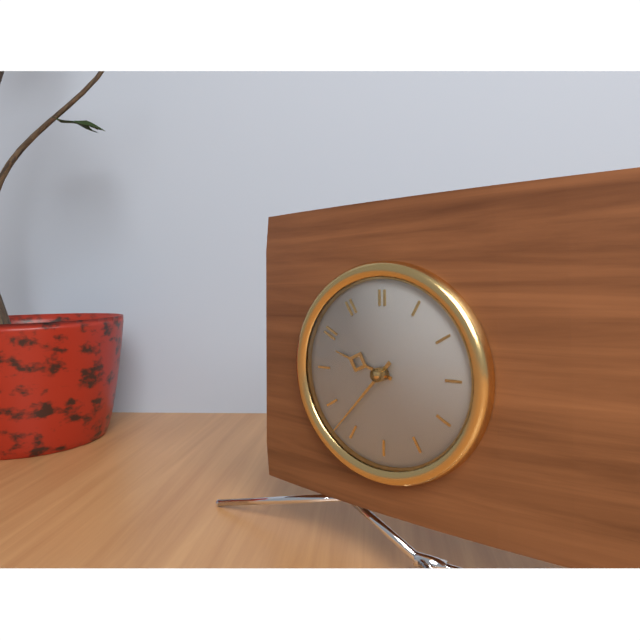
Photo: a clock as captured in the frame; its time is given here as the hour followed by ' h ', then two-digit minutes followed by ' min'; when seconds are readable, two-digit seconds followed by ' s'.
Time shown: 9 h 37 min
